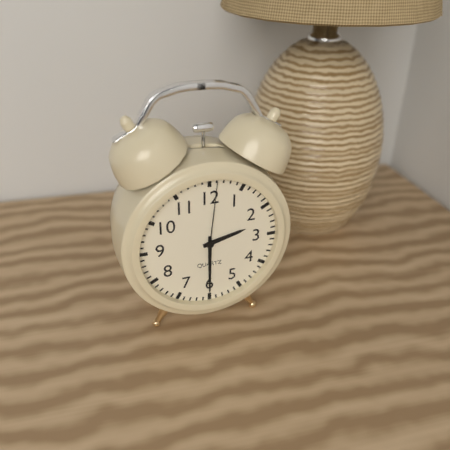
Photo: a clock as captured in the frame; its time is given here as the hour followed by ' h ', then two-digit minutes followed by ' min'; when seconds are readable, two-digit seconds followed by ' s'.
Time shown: 2 h 30 min 01 s
